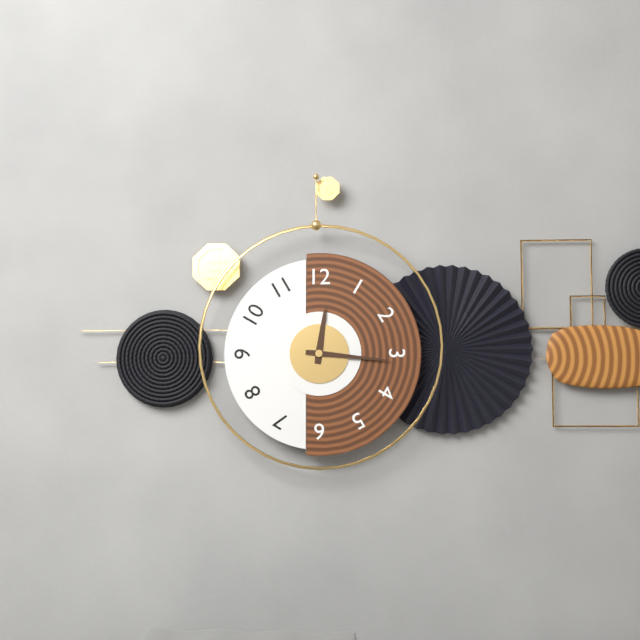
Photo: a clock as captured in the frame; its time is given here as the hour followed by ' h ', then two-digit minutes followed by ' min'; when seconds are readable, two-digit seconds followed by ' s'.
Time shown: 12 h 16 min
